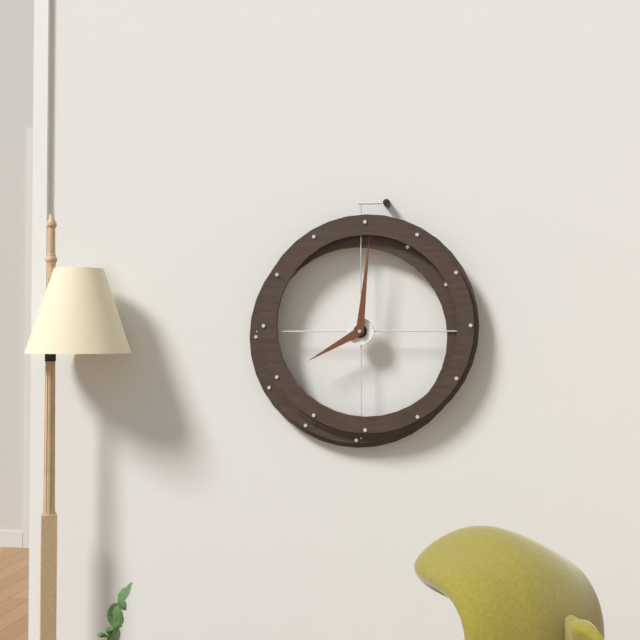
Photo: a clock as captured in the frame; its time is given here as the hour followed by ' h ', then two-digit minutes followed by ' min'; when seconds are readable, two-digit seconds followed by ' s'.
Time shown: 8 h 01 min
